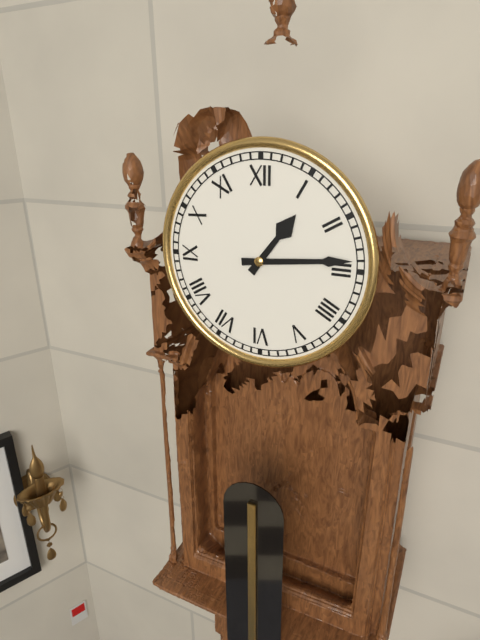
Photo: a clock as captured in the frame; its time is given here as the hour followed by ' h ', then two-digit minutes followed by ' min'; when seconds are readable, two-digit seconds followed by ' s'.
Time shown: 1 h 14 min
